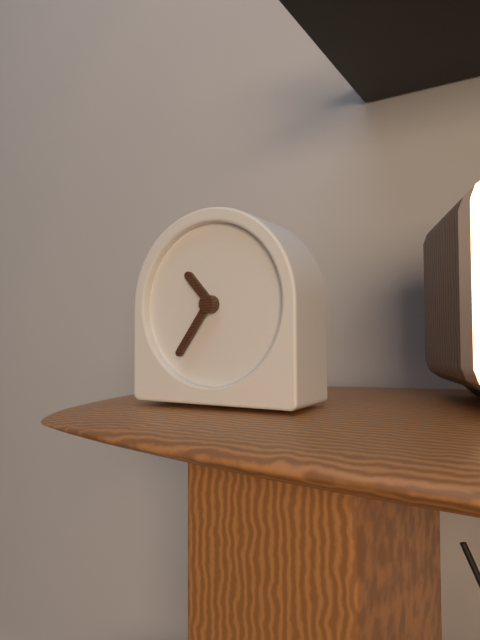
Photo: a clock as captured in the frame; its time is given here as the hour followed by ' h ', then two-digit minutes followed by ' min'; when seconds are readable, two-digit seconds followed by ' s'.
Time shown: 10 h 36 min
